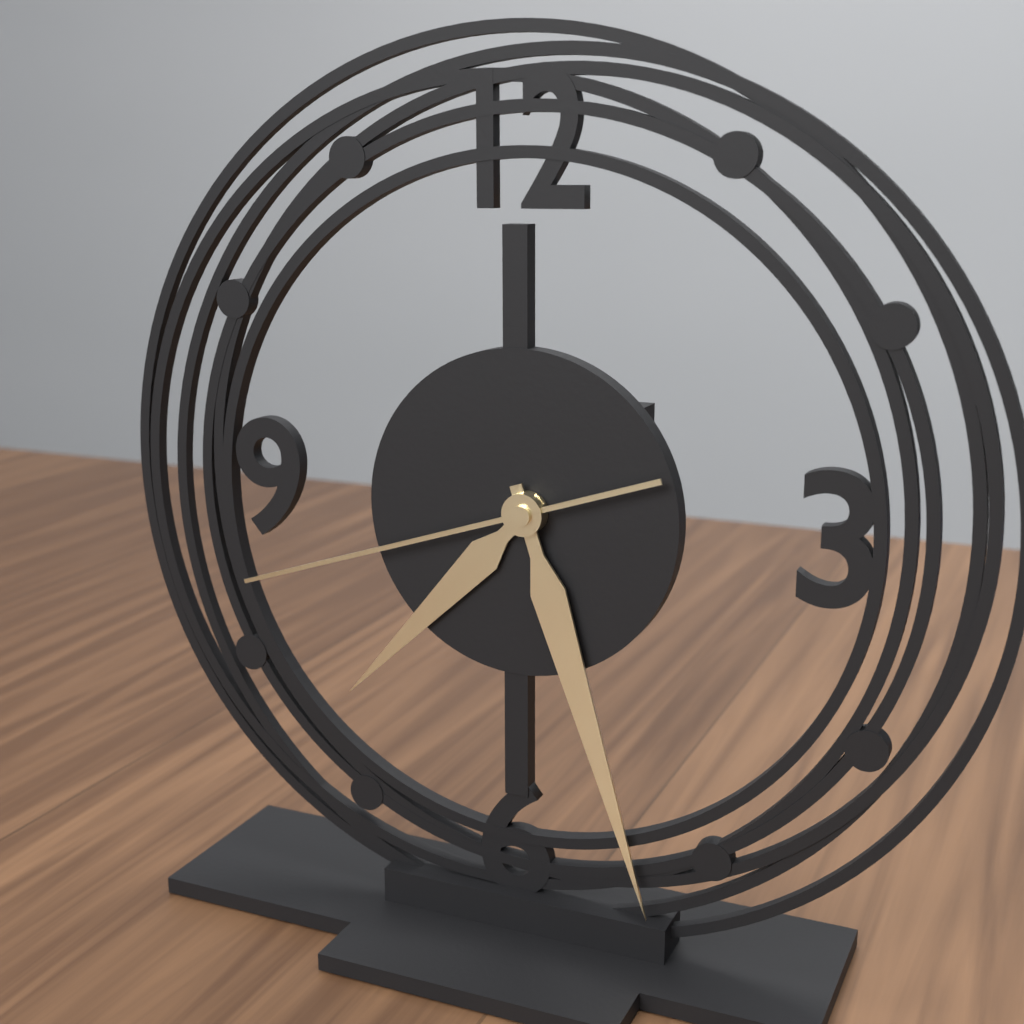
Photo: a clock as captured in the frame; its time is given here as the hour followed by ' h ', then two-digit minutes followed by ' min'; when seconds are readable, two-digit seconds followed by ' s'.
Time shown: 7 h 27 min 42 s
